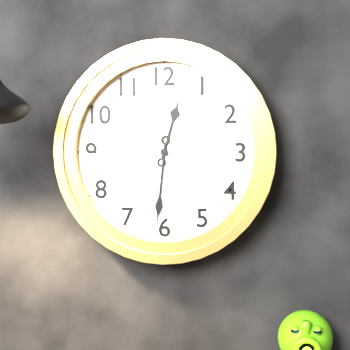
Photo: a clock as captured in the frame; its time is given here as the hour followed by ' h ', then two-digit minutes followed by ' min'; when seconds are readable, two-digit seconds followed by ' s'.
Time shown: 12 h 31 min
